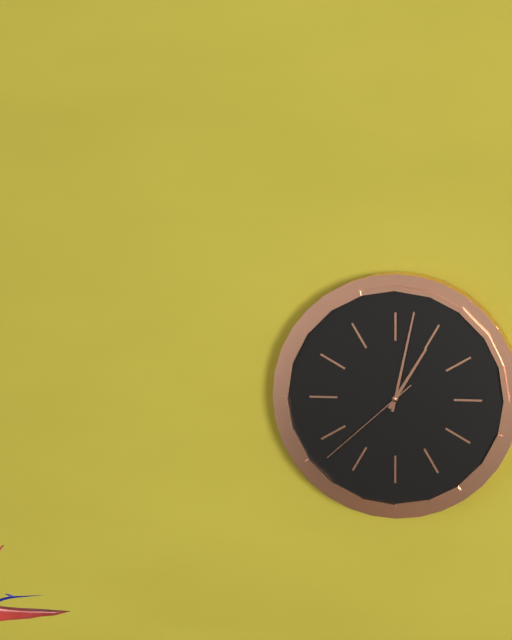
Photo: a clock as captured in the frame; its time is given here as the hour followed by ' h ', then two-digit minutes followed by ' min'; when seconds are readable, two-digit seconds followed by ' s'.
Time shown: 1 h 02 min 38 s
